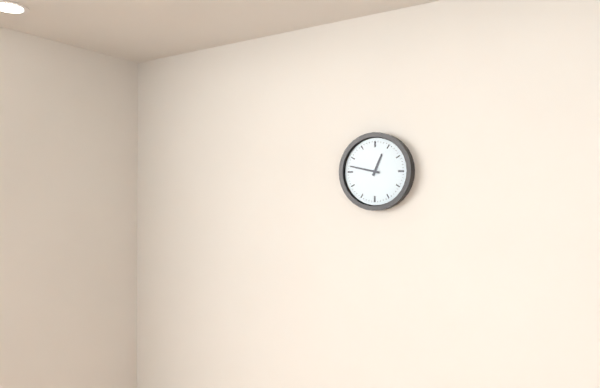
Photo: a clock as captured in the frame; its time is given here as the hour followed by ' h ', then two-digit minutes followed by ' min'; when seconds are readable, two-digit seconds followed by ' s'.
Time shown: 12 h 47 min
